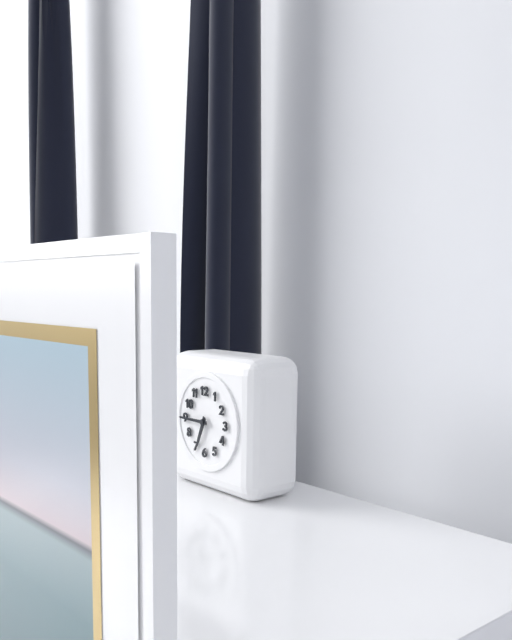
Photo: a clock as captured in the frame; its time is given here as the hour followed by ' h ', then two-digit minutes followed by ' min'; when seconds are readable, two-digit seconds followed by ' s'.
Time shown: 6 h 45 min
